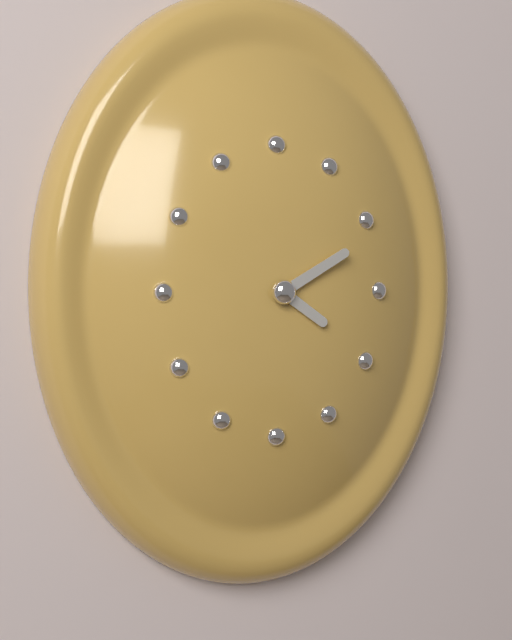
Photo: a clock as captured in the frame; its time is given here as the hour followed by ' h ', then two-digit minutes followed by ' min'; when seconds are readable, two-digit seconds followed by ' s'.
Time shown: 4 h 10 min
